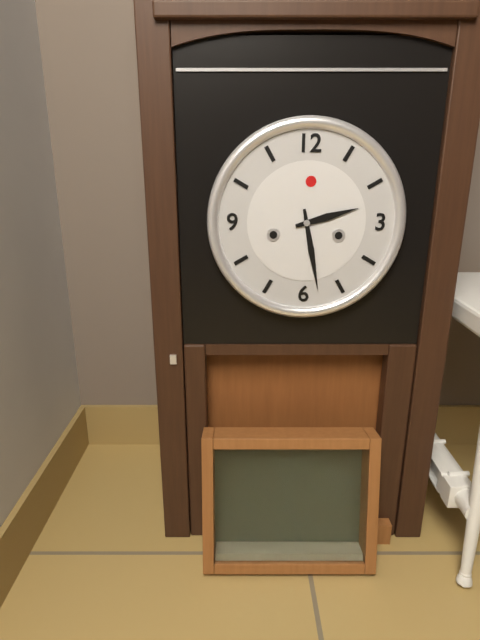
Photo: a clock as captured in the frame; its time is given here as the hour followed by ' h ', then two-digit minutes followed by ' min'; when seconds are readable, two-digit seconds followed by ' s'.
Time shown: 2 h 28 min
